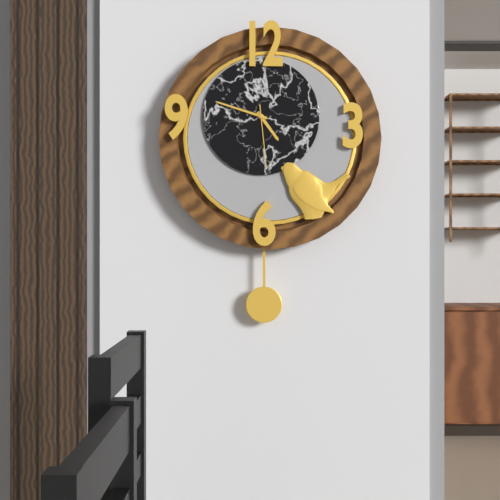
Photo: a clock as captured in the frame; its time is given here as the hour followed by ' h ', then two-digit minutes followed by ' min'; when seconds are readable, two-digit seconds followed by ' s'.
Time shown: 4 h 48 min 29 s
